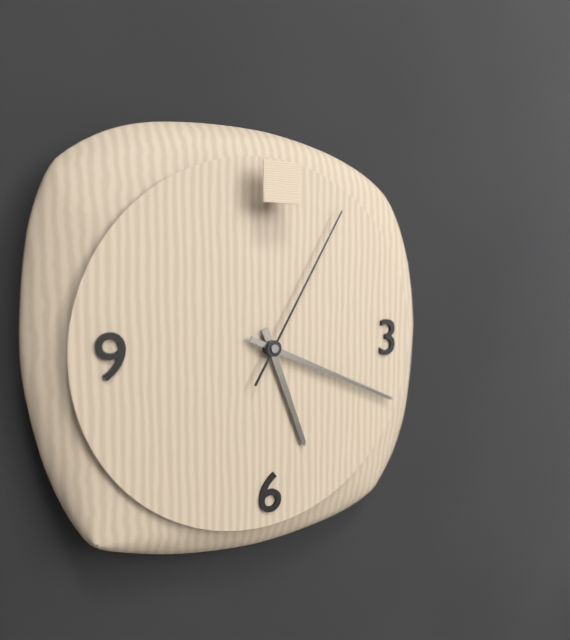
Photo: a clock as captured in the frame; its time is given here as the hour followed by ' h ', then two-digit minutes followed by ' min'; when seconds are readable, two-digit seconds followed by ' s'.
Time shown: 5 h 19 min 05 s
